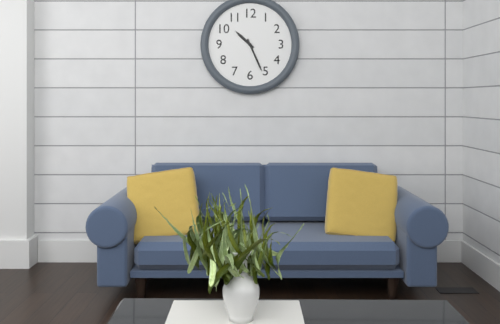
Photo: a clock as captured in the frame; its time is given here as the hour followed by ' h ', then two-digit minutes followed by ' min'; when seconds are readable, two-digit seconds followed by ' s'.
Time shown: 10 h 26 min
